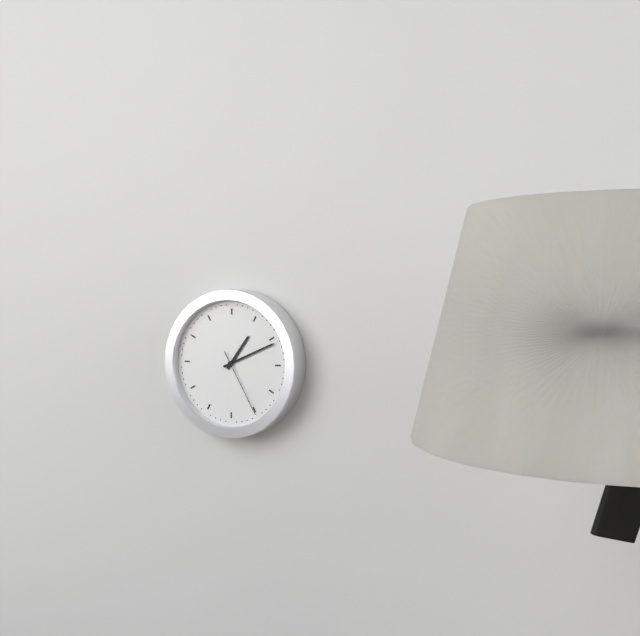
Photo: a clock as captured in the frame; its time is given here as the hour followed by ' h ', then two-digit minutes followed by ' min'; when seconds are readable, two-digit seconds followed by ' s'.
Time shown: 1 h 11 min 25 s
